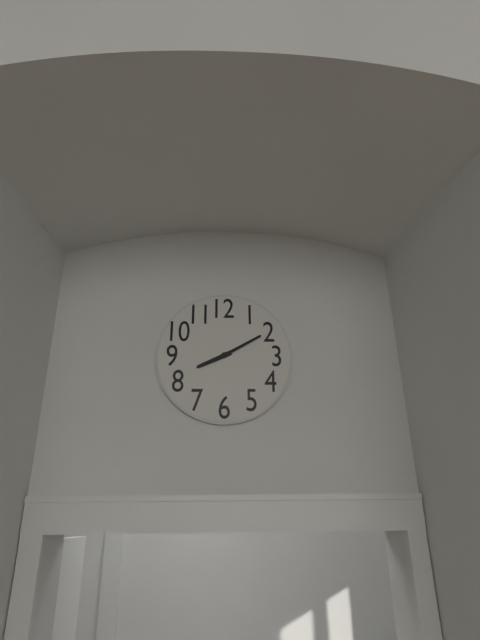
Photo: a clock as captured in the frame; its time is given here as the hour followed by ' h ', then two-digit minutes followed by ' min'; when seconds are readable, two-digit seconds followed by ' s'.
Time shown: 8 h 10 min
